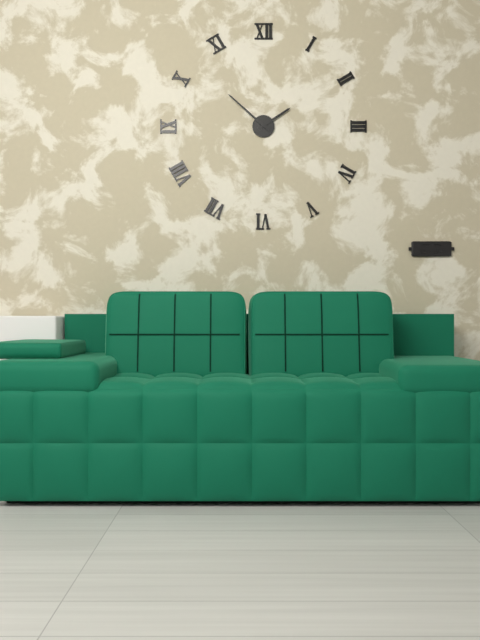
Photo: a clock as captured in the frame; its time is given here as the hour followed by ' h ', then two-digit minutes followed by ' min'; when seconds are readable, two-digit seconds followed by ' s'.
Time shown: 1 h 52 min
